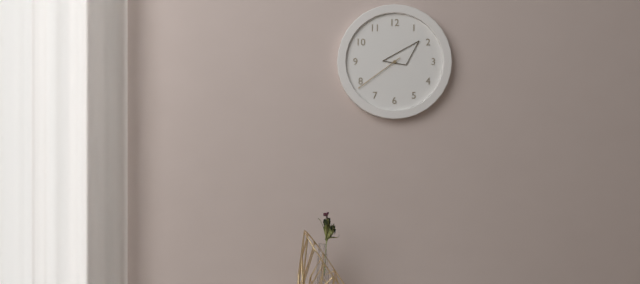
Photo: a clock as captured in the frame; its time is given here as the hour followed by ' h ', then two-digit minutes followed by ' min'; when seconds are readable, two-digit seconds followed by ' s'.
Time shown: 1 h 39 min
